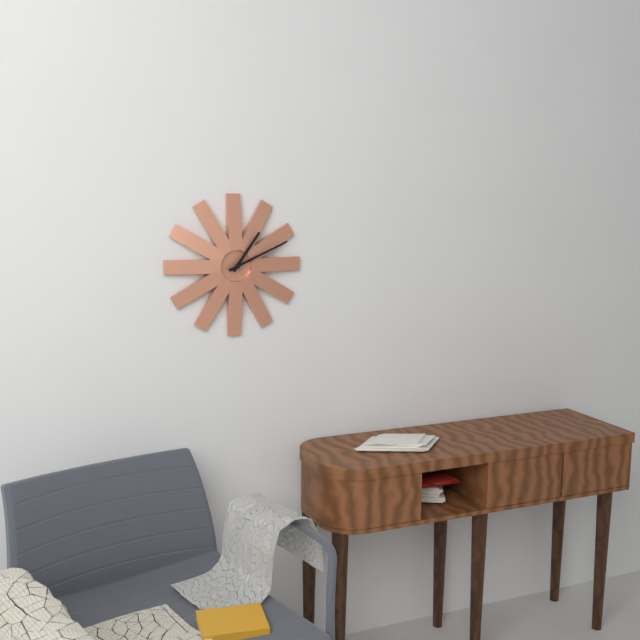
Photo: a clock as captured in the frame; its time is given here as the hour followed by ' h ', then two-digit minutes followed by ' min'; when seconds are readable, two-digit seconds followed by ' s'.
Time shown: 1 h 11 min
